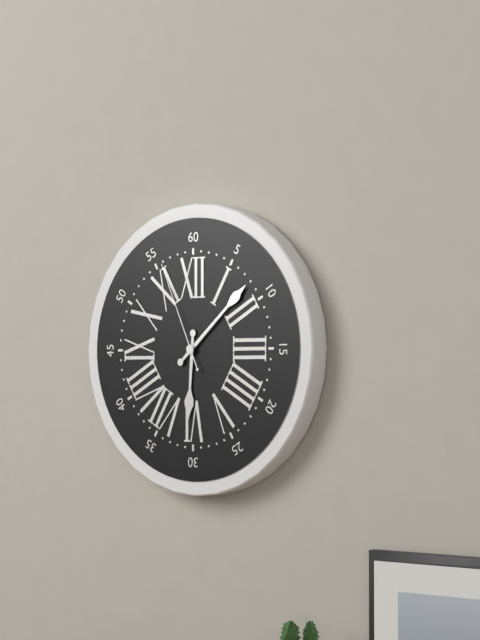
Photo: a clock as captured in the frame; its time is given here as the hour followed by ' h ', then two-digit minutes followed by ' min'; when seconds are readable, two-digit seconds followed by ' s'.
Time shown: 6 h 08 min 56 s
